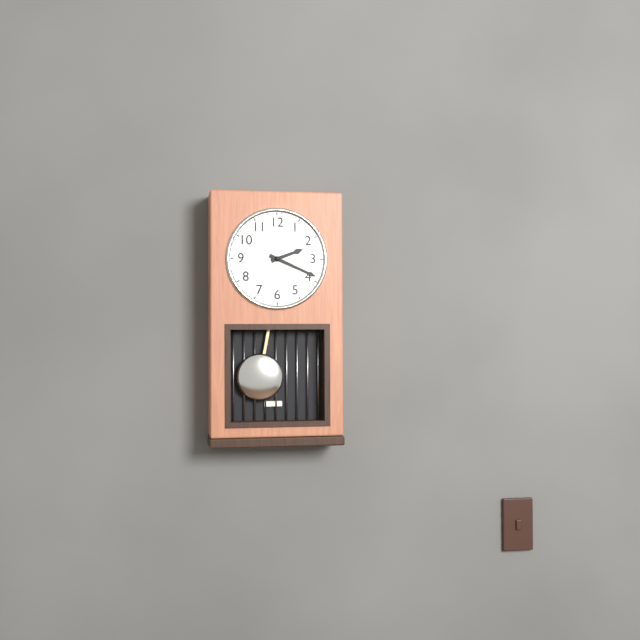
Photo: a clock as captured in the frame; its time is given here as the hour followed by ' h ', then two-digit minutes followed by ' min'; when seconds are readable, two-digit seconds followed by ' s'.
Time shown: 2 h 19 min
